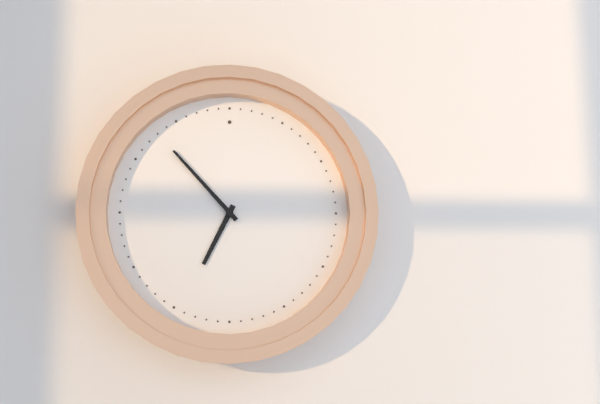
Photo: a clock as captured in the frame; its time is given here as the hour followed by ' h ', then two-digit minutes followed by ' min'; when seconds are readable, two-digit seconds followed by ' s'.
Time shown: 6 h 53 min
